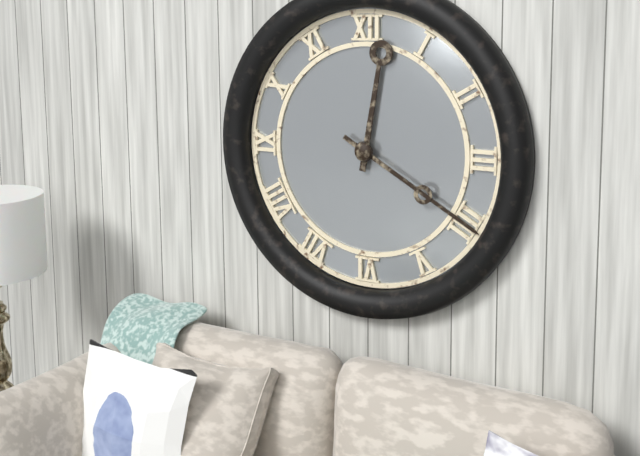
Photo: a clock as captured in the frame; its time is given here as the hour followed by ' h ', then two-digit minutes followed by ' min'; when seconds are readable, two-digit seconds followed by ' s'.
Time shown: 12 h 20 min
